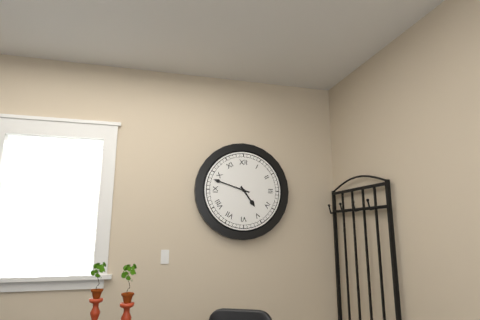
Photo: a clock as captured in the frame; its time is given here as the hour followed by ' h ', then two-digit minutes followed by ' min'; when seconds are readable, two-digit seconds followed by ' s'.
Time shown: 4 h 48 min
